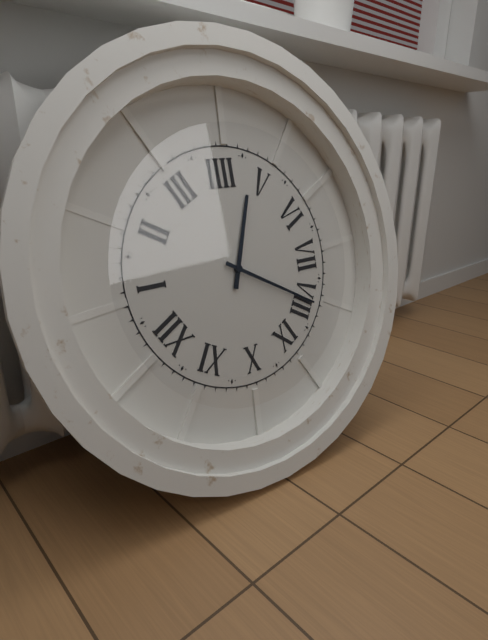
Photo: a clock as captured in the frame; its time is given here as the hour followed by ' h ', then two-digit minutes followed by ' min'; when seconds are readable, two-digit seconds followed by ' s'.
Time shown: 4 h 40 min
